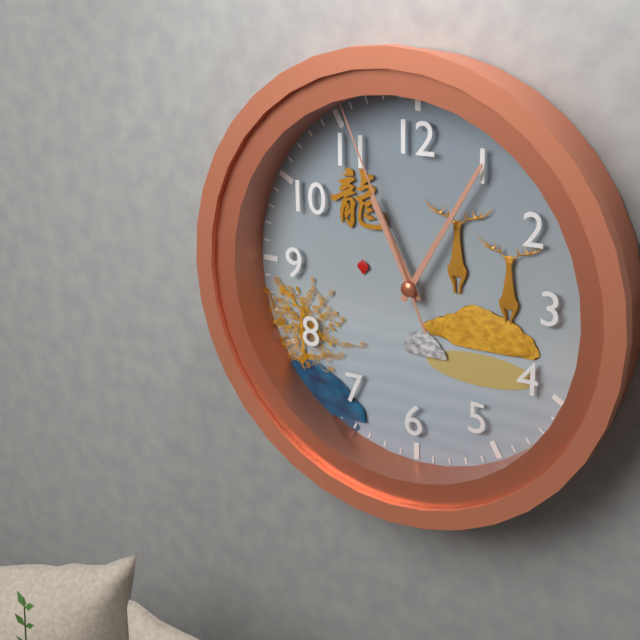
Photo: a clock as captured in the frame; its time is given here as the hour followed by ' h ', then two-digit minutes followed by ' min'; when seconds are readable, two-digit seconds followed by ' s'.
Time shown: 11 h 05 min 56 s
